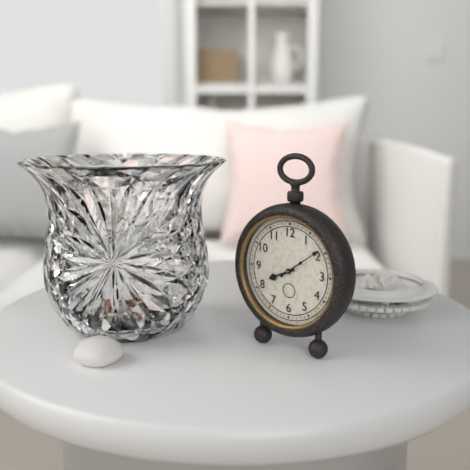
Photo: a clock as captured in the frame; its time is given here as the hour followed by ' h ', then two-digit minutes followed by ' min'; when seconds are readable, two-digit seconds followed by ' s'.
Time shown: 8 h 09 min
